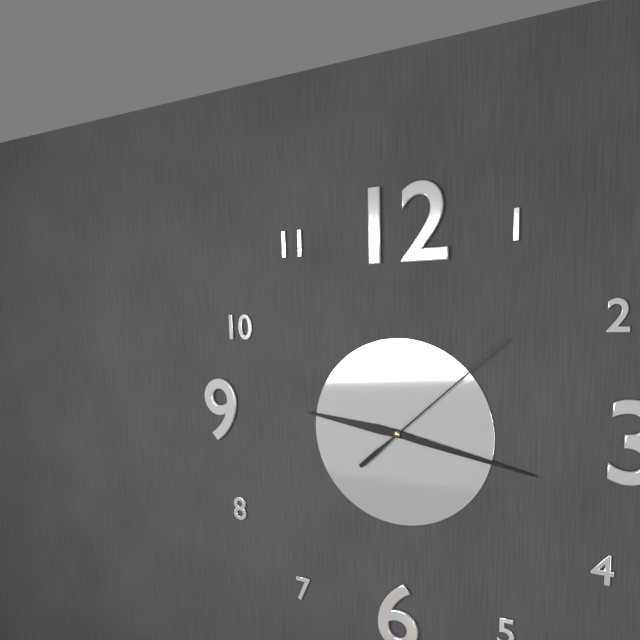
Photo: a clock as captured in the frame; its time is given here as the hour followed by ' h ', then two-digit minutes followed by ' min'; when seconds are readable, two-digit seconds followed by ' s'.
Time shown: 9 h 17 min 08 s
